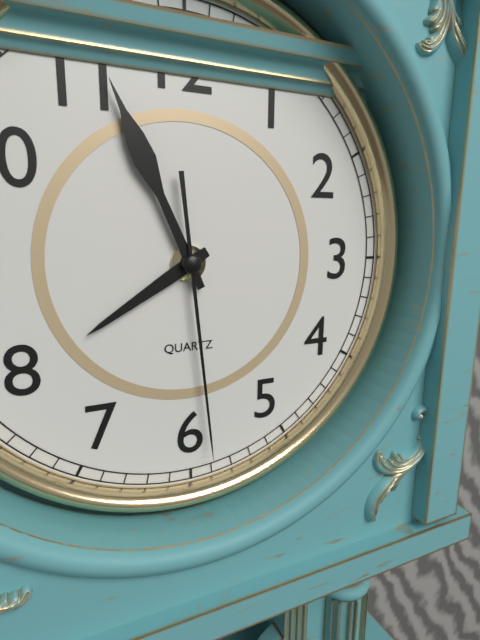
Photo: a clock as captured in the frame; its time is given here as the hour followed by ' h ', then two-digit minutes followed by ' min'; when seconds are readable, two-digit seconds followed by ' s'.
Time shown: 7 h 56 min 29 s
